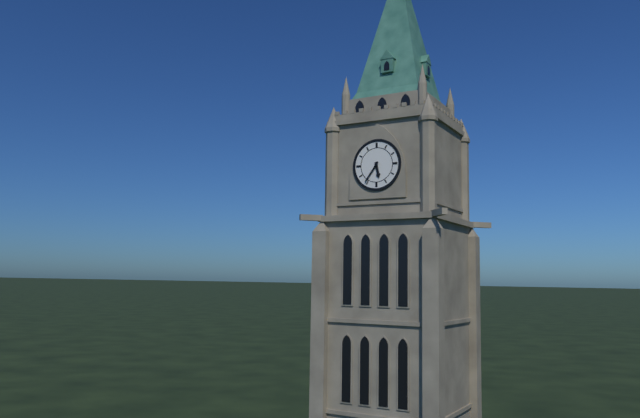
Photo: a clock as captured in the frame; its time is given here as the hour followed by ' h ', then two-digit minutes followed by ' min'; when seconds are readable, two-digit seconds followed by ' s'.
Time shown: 5 h 36 min
